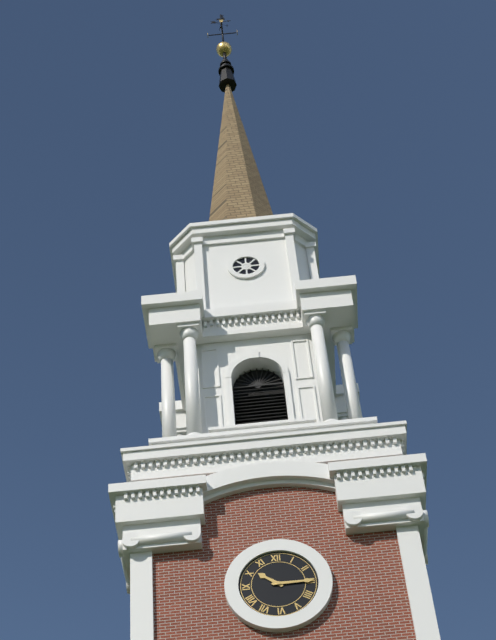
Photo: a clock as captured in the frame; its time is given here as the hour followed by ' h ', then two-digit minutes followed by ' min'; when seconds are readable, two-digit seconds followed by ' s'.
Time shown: 10 h 15 min
